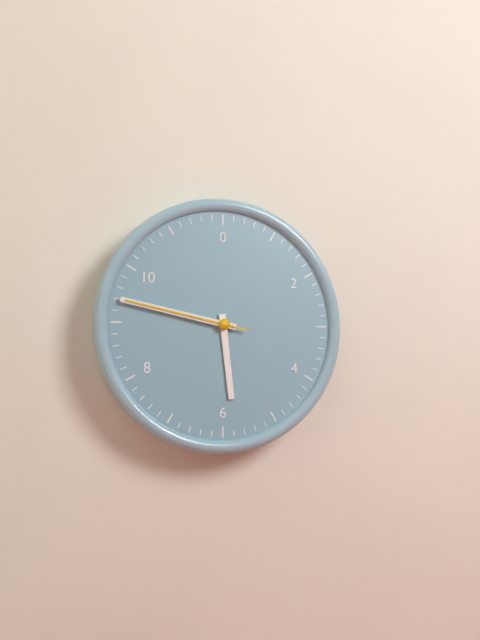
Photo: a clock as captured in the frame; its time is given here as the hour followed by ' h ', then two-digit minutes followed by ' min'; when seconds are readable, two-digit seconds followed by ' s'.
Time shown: 5 h 47 min 47 s
